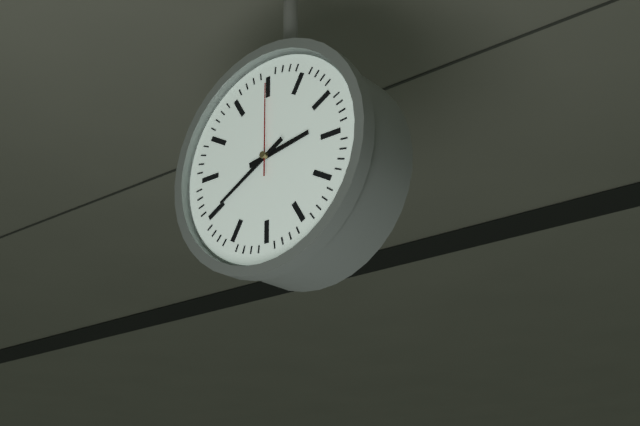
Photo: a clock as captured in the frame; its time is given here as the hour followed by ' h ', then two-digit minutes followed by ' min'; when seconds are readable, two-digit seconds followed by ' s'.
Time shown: 2 h 40 min 00 s
